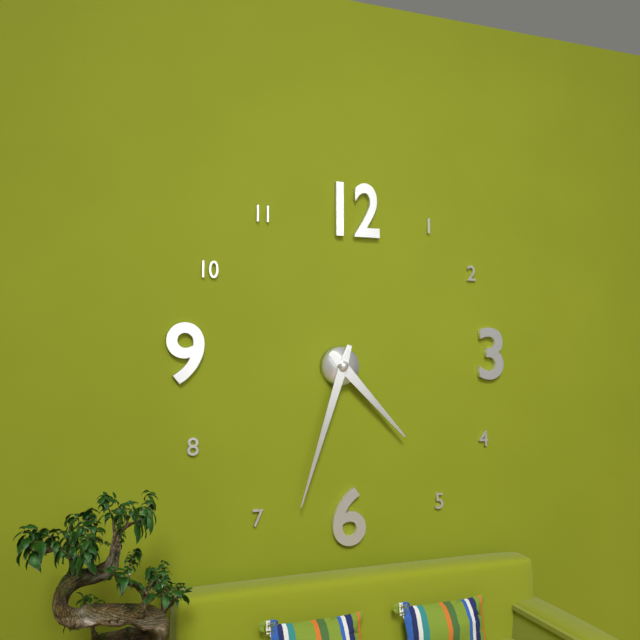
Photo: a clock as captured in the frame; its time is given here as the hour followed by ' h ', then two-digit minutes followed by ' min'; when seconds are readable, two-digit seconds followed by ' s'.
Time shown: 4 h 33 min
